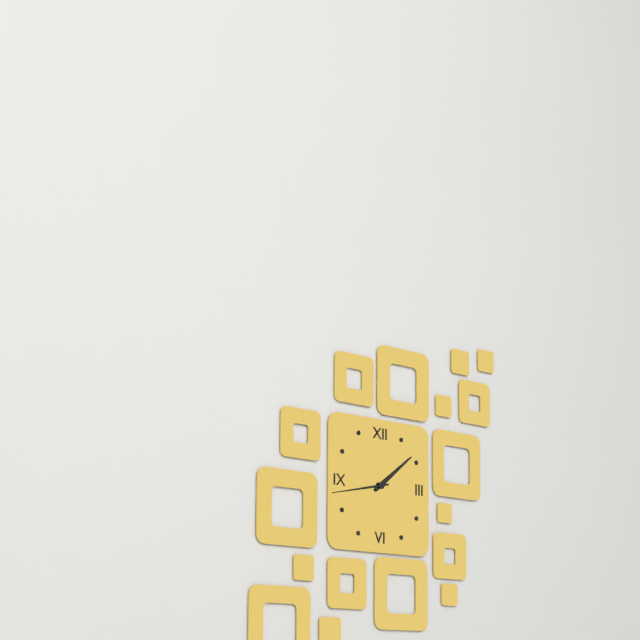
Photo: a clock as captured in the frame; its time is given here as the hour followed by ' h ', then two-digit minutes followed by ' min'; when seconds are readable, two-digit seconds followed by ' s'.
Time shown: 1 h 43 min
